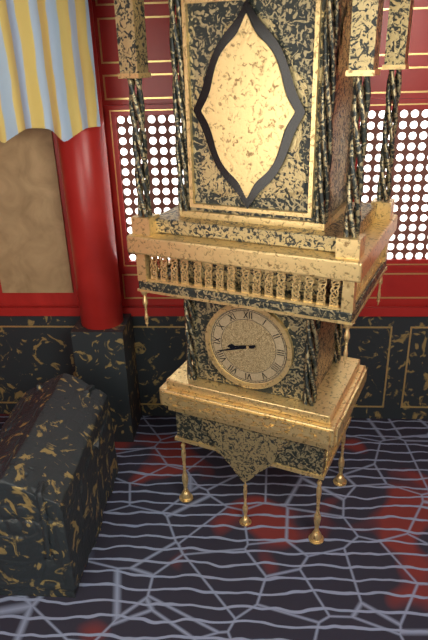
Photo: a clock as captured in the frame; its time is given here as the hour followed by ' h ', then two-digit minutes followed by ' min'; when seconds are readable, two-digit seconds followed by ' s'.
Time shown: 8 h 42 min
